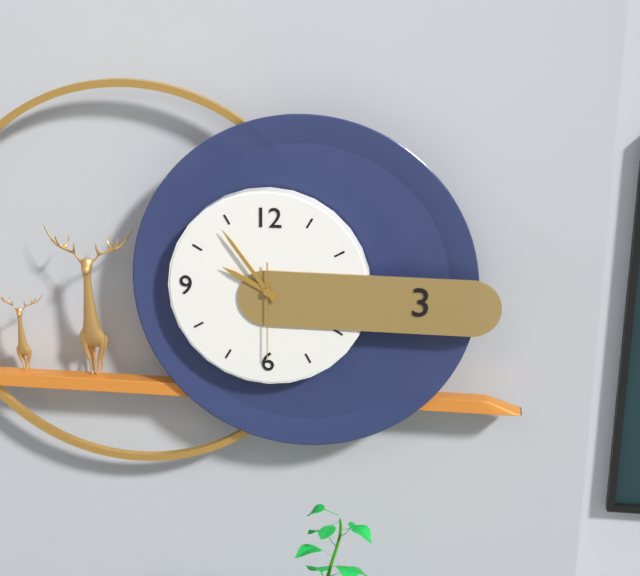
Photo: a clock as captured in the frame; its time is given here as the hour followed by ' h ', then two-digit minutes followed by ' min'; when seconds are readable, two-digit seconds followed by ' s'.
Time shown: 9 h 54 min 30 s
